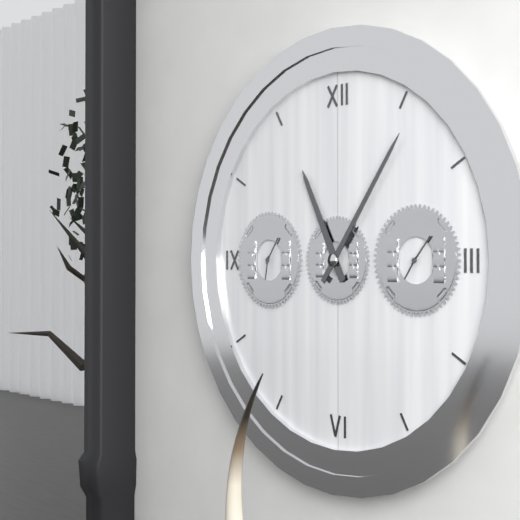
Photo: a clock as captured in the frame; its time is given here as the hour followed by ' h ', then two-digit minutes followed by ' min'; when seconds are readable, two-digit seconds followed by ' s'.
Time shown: 11 h 06 min
